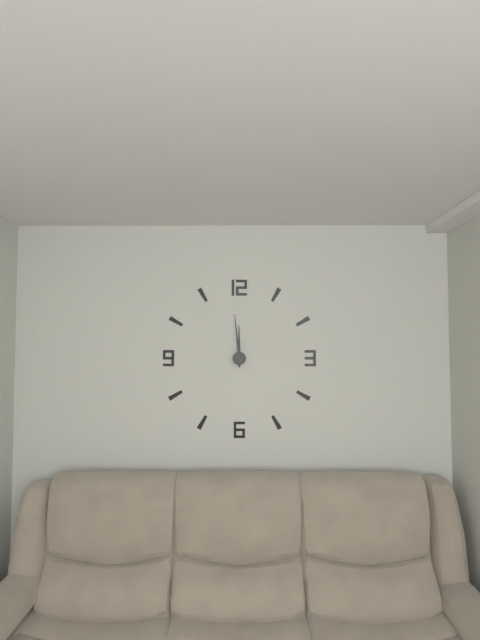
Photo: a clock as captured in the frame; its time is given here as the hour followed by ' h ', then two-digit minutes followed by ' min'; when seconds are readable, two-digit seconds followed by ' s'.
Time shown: 11 h 59 min
